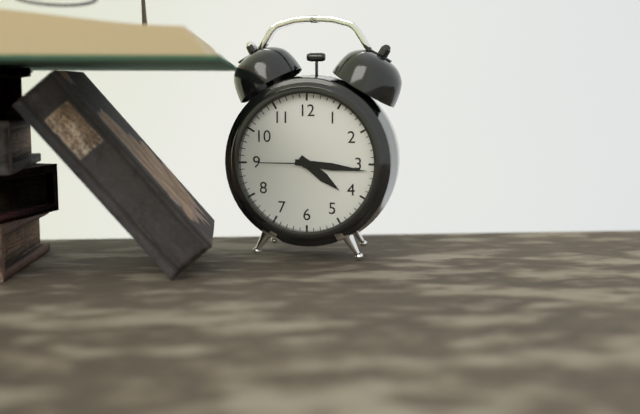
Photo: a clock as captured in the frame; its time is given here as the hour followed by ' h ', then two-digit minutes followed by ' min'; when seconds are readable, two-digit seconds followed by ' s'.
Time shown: 4 h 16 min 45 s
